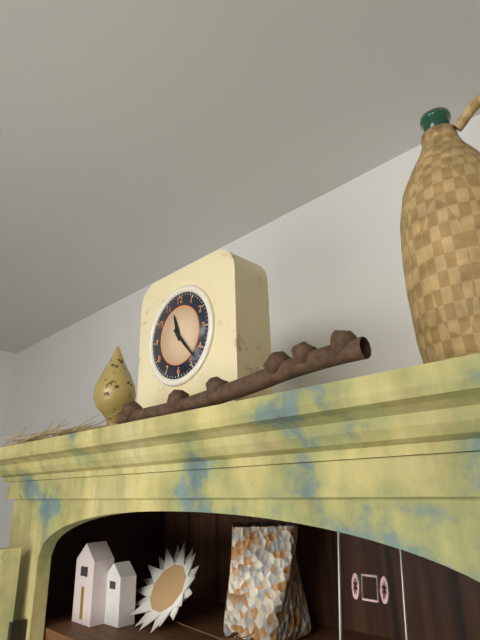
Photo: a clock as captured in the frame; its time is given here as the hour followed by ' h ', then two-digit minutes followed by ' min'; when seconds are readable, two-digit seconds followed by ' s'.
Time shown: 11 h 23 min
